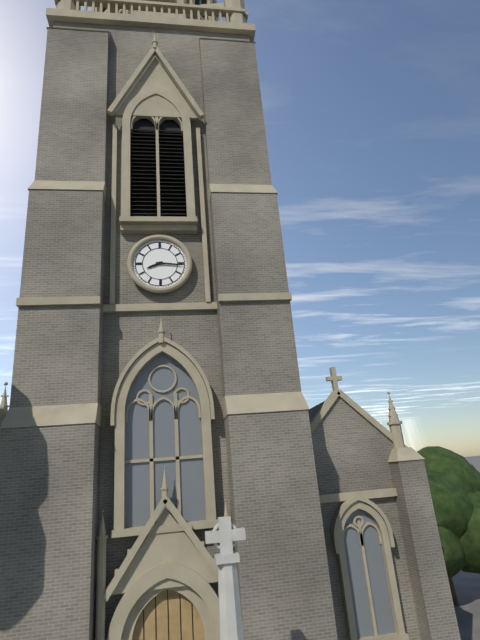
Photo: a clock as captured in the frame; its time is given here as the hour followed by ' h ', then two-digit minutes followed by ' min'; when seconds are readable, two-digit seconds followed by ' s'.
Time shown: 8 h 16 min
